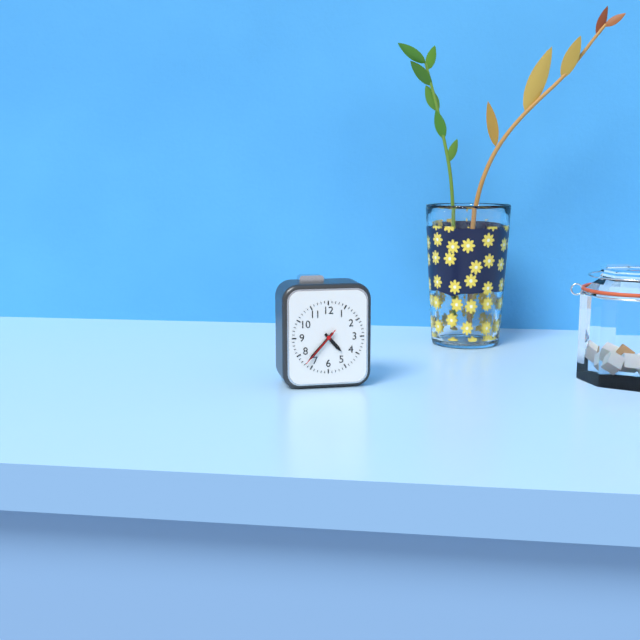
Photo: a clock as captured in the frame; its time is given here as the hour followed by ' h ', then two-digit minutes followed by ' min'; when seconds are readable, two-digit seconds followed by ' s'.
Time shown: 4 h 37 min
